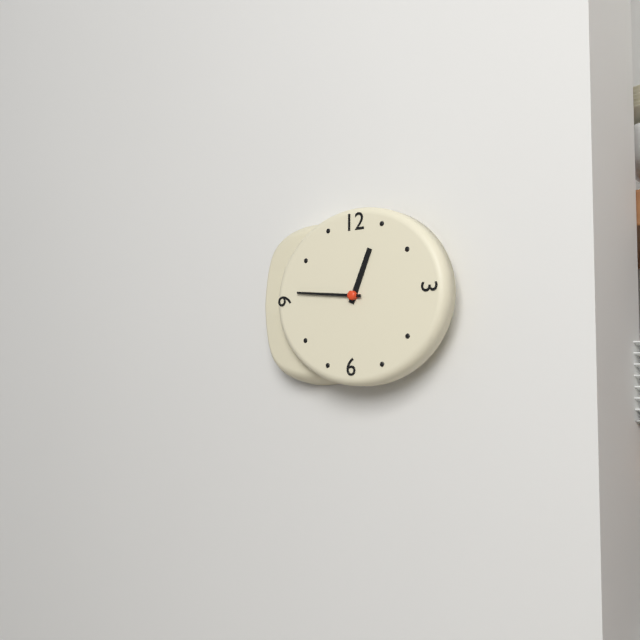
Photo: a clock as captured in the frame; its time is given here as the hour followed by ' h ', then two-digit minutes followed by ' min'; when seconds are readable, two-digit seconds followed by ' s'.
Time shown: 12 h 46 min
